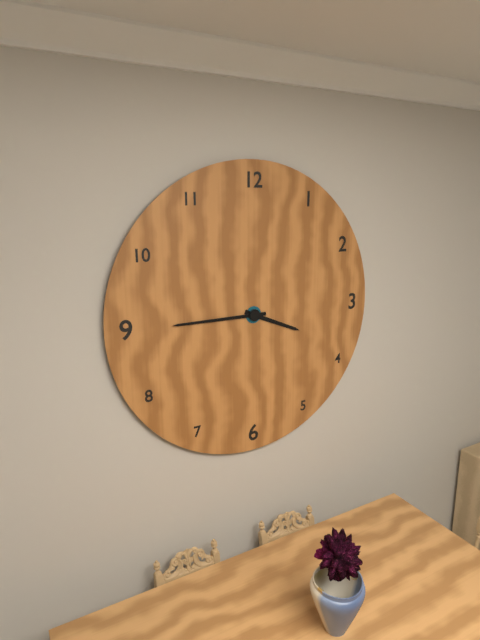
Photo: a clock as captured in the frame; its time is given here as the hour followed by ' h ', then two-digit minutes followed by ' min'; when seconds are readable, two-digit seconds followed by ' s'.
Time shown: 3 h 45 min
